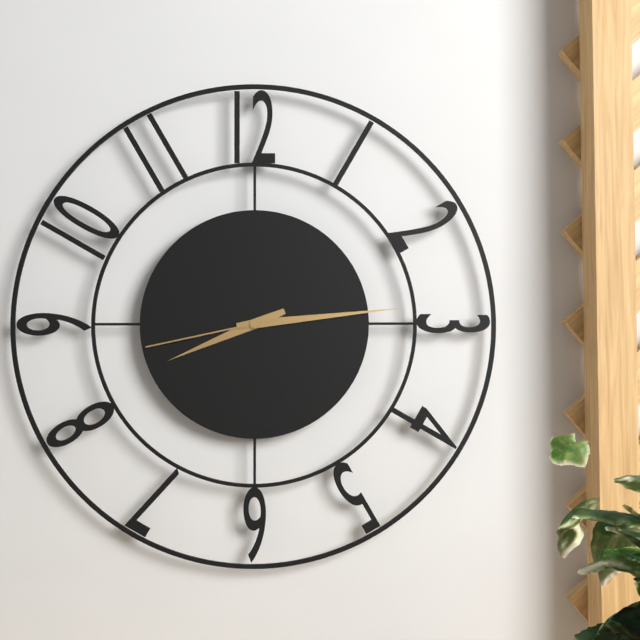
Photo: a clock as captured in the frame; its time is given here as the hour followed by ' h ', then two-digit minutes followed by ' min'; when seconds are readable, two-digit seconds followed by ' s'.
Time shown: 8 h 14 min 43 s
